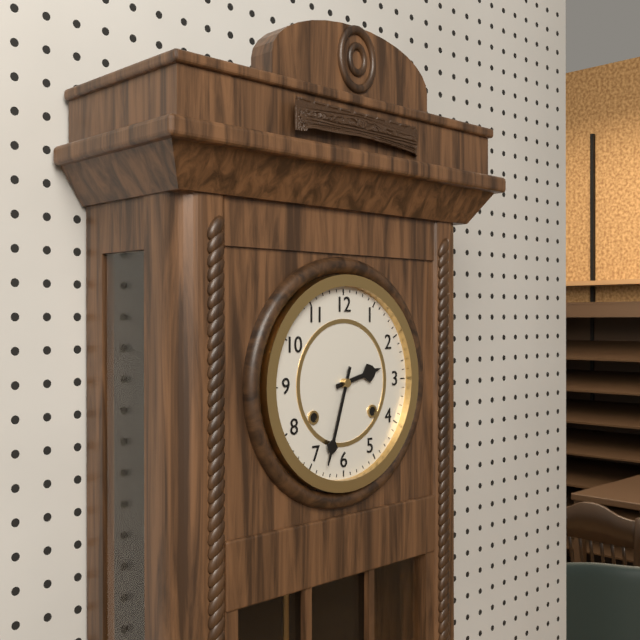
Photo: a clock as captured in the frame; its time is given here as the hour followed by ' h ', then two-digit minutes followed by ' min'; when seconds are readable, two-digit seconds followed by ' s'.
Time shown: 2 h 33 min
